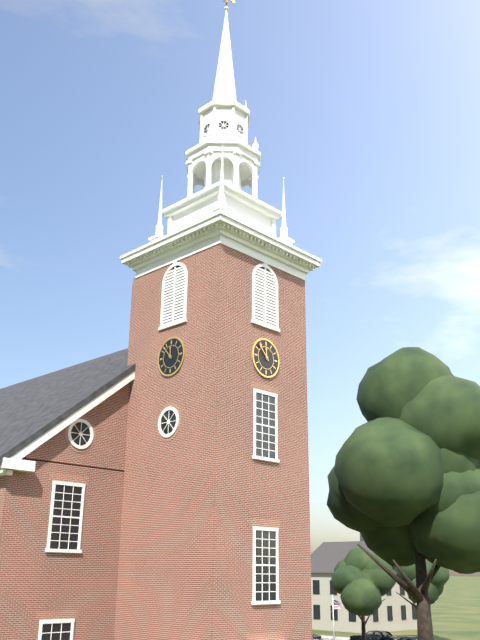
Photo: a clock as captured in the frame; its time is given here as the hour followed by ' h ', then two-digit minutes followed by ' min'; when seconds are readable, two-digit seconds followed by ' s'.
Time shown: 11 h 53 min
